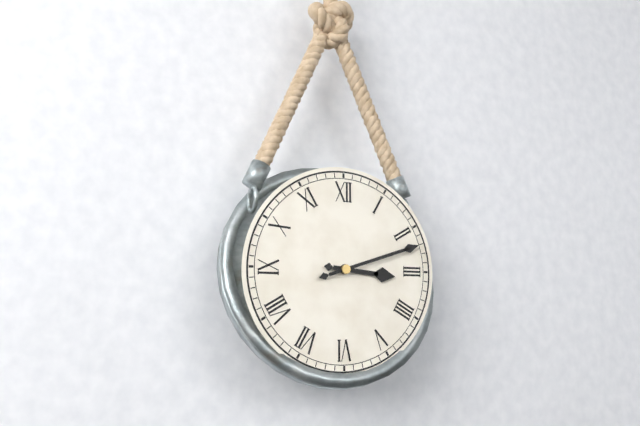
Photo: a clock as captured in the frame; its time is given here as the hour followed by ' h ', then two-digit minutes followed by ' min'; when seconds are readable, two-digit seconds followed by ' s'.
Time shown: 3 h 12 min
